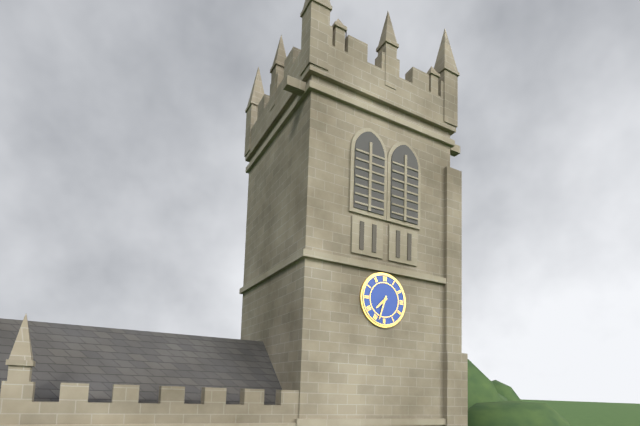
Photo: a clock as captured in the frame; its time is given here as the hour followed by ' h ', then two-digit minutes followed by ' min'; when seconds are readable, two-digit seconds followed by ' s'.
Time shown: 7 h 33 min
